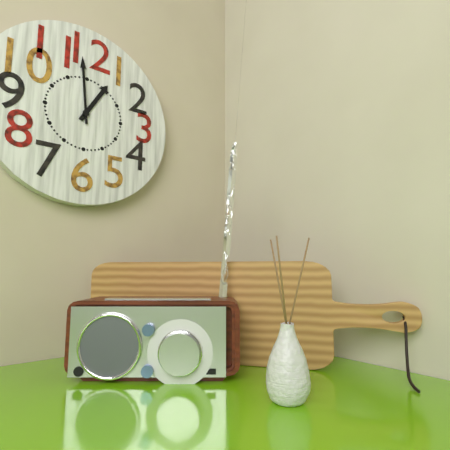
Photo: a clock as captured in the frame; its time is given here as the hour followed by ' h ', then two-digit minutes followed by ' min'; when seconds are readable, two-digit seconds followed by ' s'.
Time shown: 12 h 59 min
